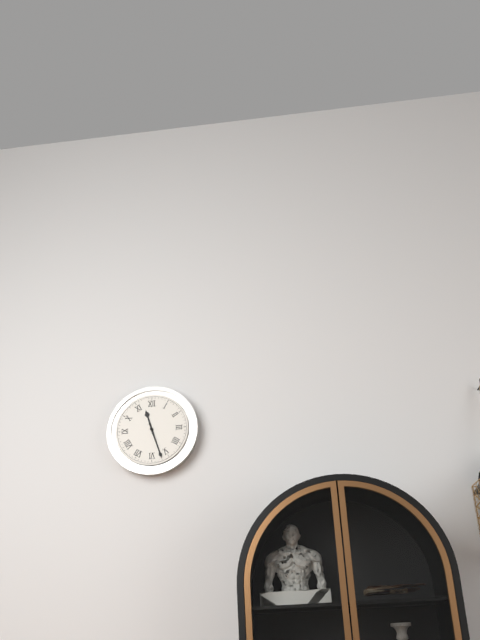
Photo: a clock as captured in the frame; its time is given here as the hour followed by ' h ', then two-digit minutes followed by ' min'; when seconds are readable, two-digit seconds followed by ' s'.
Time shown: 11 h 27 min
